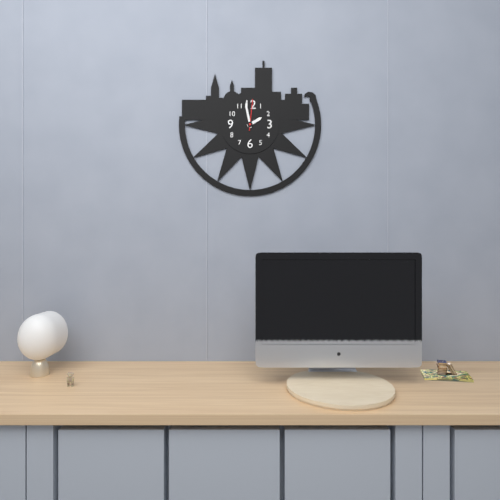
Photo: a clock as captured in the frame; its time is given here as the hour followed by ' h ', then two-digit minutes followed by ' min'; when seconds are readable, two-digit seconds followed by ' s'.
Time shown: 1 h 58 min
